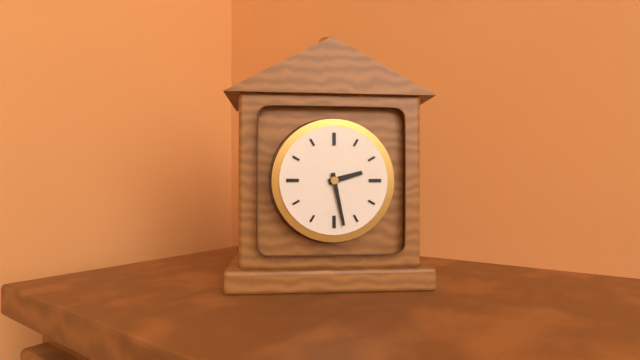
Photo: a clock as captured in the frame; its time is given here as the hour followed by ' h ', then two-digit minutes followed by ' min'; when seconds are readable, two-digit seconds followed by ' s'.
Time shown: 2 h 28 min
